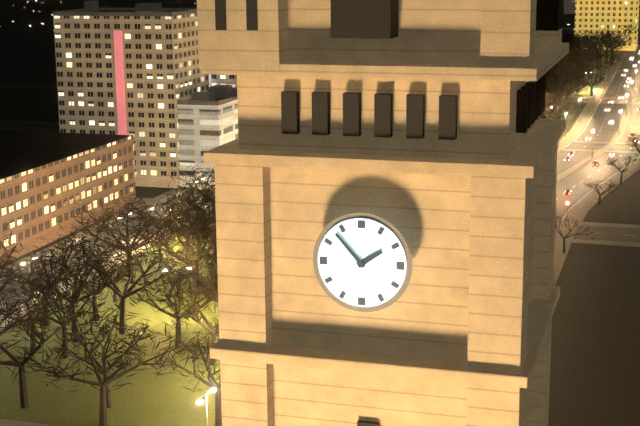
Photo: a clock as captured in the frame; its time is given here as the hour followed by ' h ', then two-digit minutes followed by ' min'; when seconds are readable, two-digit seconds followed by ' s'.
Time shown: 1 h 53 min
